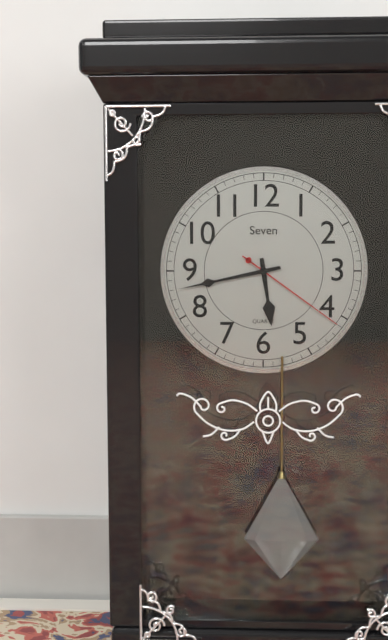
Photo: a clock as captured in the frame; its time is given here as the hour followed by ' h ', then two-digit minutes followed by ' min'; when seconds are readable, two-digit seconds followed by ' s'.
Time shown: 5 h 43 min 21 s
